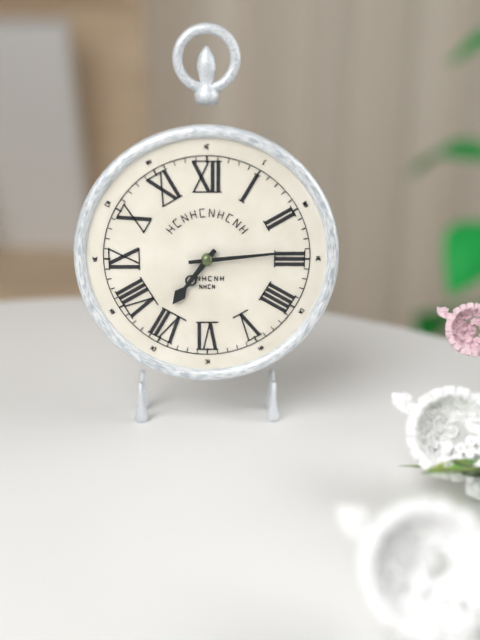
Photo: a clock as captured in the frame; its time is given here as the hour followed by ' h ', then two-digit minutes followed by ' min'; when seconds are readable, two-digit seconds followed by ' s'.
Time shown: 7 h 14 min
